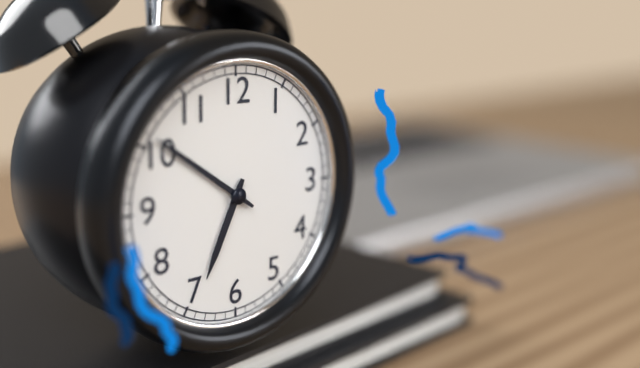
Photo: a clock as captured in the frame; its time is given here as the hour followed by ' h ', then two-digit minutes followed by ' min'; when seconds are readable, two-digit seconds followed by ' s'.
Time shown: 6 h 51 min
